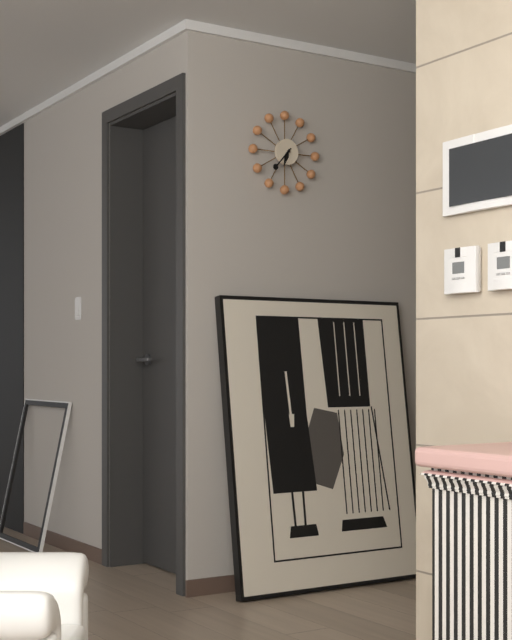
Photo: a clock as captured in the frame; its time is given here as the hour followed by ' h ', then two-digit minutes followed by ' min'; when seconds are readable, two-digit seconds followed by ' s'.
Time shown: 6 h 37 min
